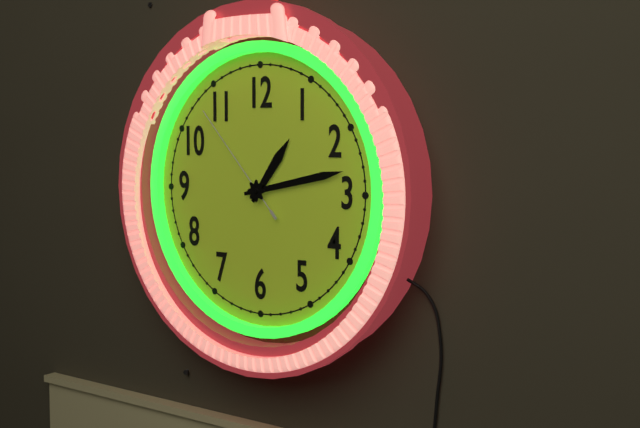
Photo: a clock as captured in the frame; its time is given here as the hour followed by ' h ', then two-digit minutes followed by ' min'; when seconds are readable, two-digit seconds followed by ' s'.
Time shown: 1 h 13 min 53 s
